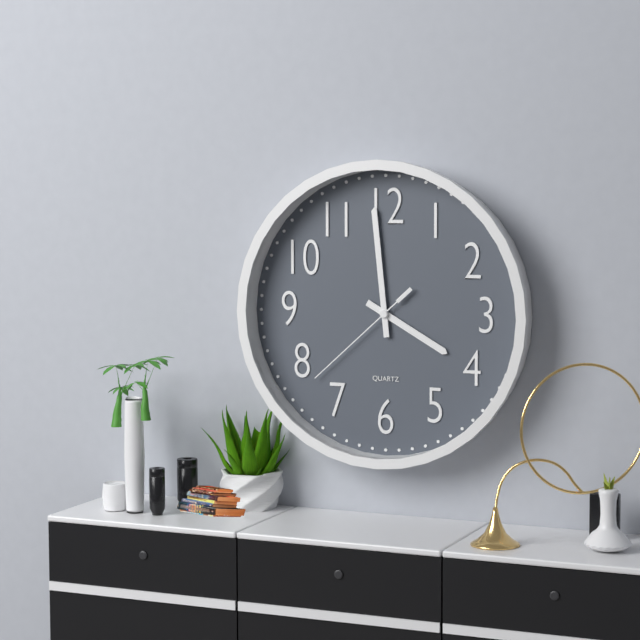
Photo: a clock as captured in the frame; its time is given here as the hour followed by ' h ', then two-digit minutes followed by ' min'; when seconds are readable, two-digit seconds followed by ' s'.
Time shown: 3 h 59 min 38 s
